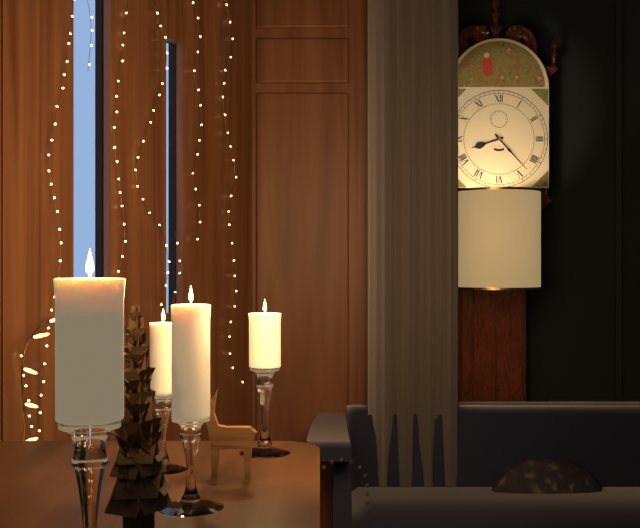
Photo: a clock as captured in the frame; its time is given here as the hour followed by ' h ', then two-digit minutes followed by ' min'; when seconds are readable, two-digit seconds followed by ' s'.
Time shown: 8 h 23 min
